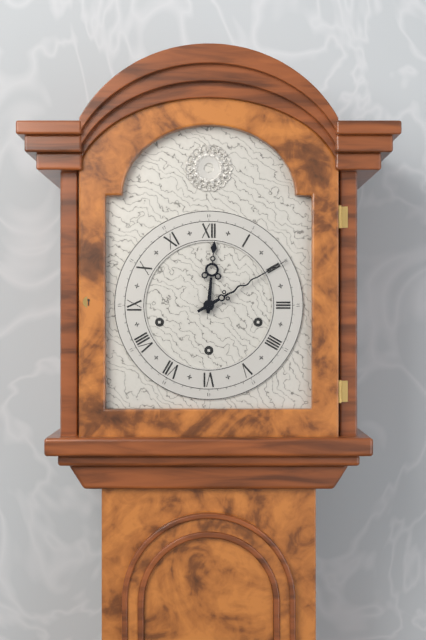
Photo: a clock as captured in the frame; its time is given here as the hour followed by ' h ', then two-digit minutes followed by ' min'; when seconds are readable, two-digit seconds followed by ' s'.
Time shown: 12 h 10 min
